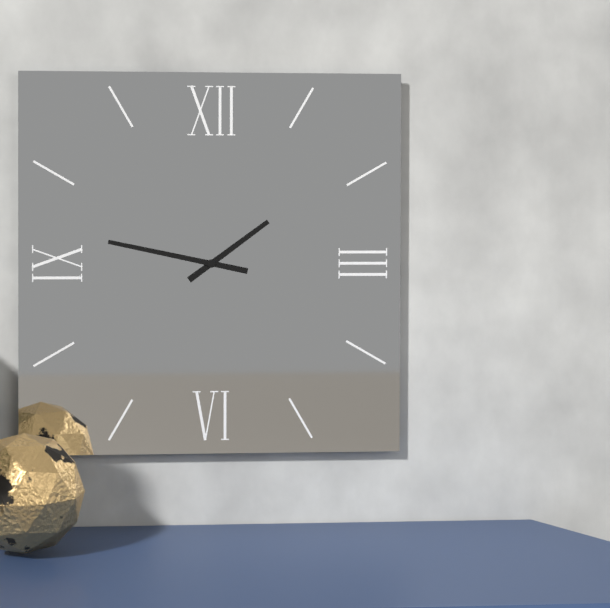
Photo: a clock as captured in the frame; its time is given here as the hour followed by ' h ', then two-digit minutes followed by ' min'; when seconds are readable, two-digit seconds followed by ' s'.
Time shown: 1 h 47 min
